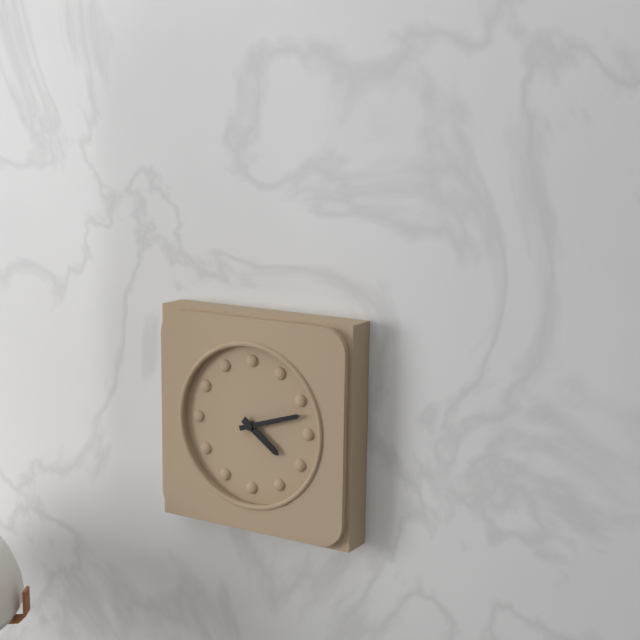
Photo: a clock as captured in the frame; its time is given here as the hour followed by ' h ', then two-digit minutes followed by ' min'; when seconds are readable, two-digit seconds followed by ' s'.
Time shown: 4 h 12 min
